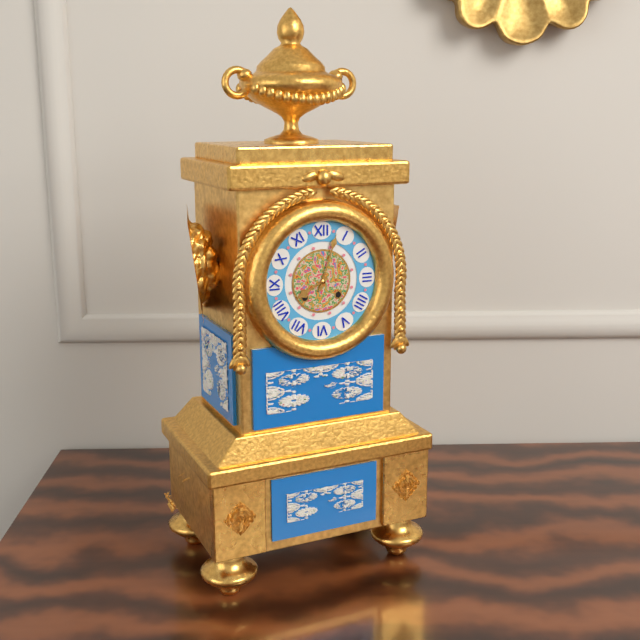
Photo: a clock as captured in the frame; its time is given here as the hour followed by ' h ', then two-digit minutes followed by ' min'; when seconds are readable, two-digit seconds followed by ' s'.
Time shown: 8 h 03 min
